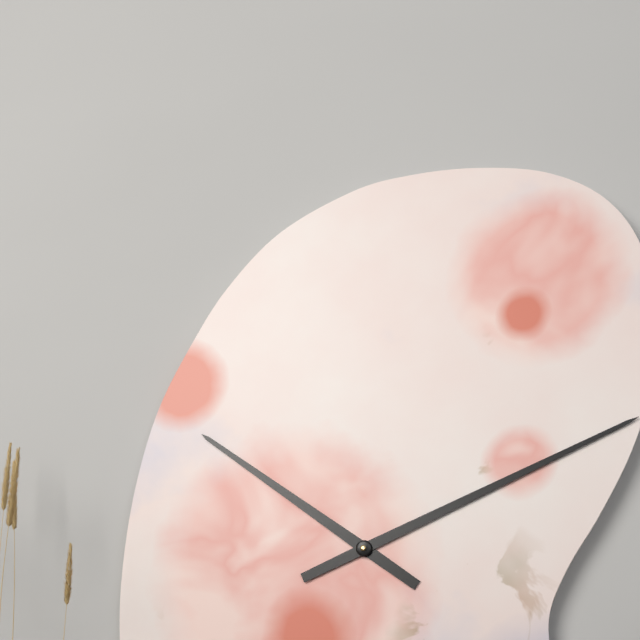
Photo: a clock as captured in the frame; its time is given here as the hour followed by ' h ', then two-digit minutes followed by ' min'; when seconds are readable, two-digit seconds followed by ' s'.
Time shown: 10 h 11 min
